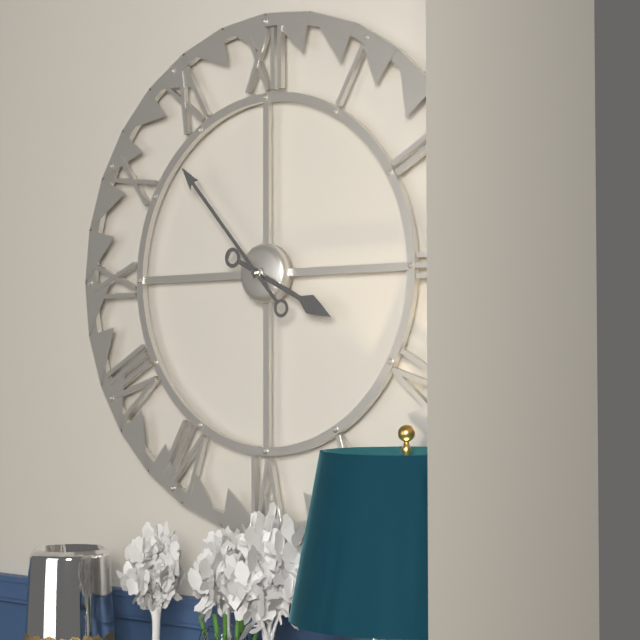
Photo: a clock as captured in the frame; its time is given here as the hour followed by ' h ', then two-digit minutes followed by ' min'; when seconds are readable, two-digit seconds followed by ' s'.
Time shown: 3 h 53 min
